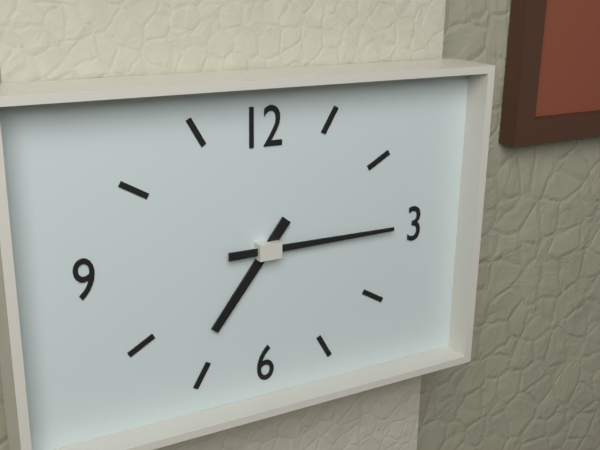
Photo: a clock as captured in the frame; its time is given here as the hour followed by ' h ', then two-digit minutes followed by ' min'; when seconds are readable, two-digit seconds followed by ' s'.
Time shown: 7 h 15 min
